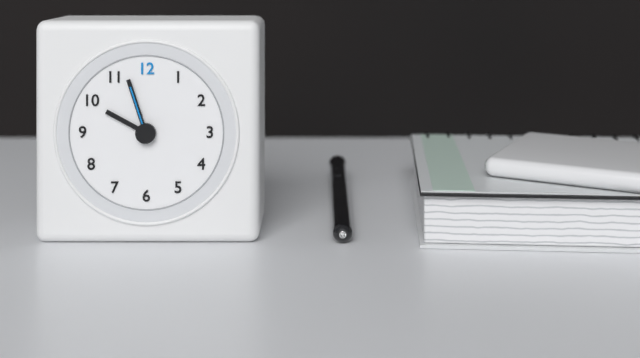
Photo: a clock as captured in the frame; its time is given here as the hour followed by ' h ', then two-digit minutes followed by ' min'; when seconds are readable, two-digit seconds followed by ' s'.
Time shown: 9 h 57 min 57 s
